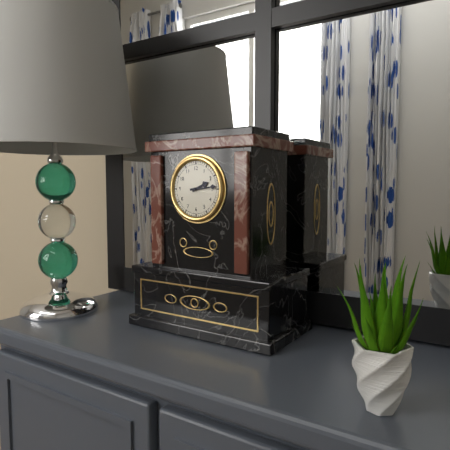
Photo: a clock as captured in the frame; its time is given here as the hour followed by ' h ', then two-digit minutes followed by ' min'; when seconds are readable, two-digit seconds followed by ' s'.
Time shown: 2 h 14 min
